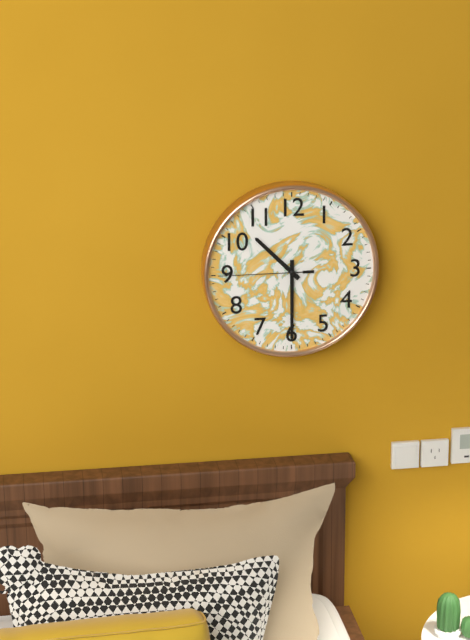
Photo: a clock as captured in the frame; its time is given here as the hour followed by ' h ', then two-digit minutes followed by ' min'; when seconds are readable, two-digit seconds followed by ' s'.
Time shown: 10 h 30 min 45 s
